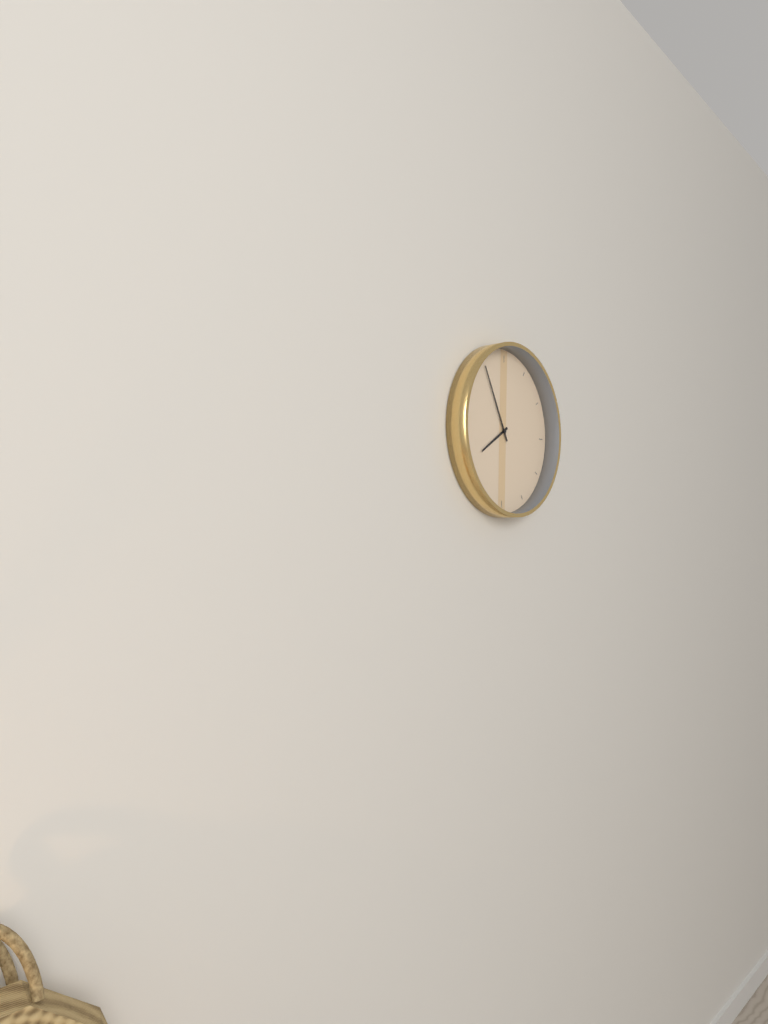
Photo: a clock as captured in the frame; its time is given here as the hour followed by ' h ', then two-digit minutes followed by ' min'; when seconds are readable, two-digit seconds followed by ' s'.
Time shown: 7 h 55 min
